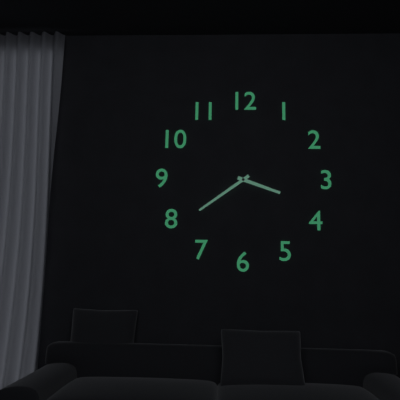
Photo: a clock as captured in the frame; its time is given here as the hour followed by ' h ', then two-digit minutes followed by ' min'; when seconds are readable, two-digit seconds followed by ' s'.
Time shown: 3 h 39 min
